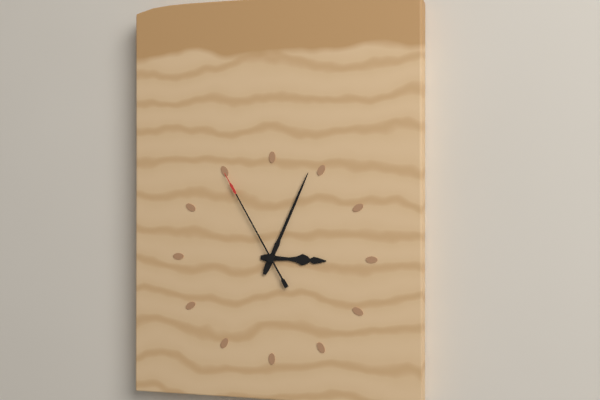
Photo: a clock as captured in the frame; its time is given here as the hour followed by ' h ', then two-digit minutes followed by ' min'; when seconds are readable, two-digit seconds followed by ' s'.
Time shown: 3 h 04 min 55 s
